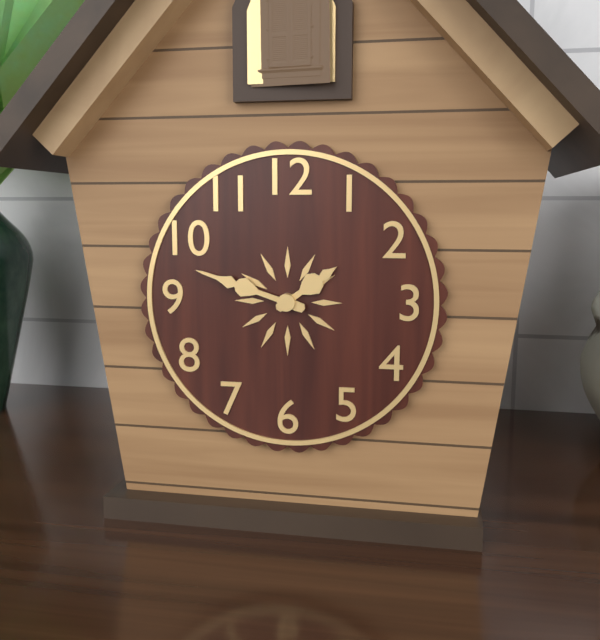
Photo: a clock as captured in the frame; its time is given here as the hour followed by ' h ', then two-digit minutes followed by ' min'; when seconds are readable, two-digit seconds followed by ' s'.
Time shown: 1 h 48 min
